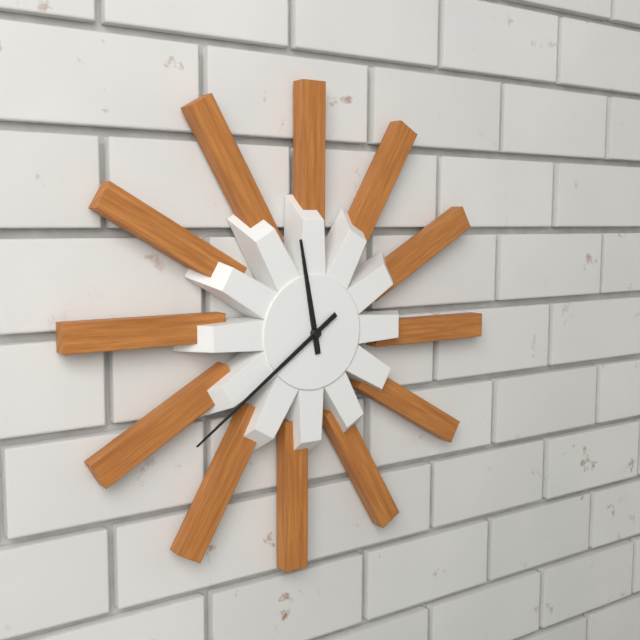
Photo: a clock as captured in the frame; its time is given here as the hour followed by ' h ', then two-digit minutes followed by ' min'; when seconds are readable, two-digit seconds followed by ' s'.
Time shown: 11 h 39 min
